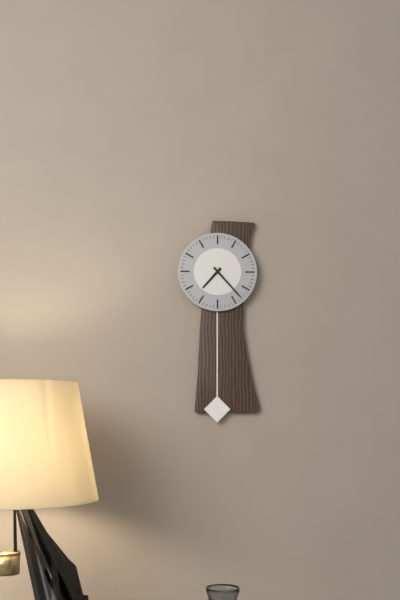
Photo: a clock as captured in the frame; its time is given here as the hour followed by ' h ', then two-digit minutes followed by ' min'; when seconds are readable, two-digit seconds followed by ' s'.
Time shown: 7 h 23 min
